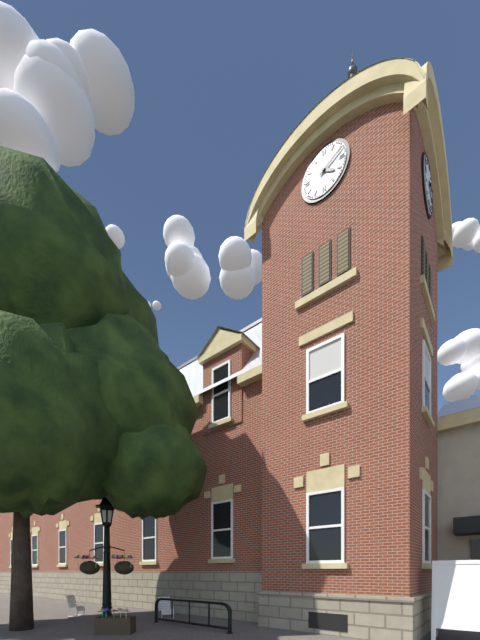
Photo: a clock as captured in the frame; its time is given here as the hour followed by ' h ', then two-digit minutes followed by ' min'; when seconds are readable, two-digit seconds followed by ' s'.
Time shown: 4 h 11 min
